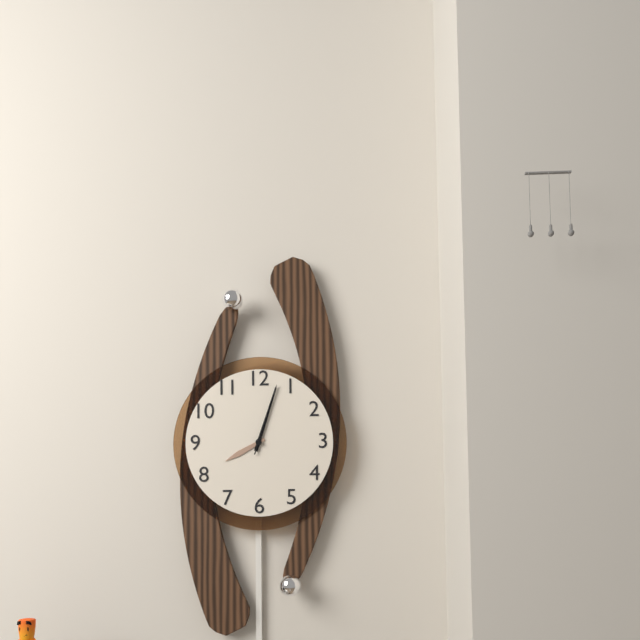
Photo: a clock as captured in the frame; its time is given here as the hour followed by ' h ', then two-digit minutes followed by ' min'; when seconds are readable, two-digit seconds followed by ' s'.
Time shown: 8 h 03 min 03 s
